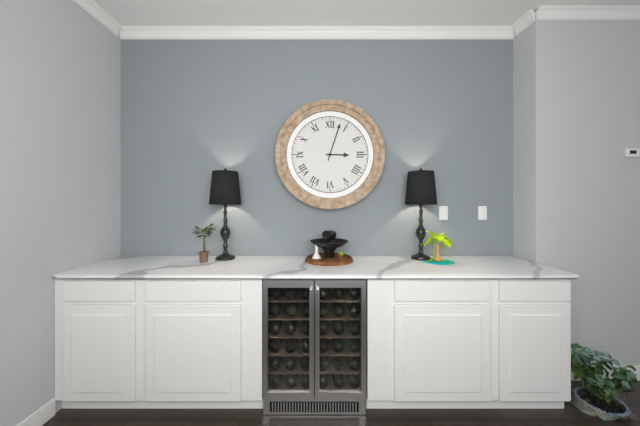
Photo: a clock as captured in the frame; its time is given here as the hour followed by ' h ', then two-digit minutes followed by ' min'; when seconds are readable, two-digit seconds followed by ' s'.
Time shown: 3 h 03 min
